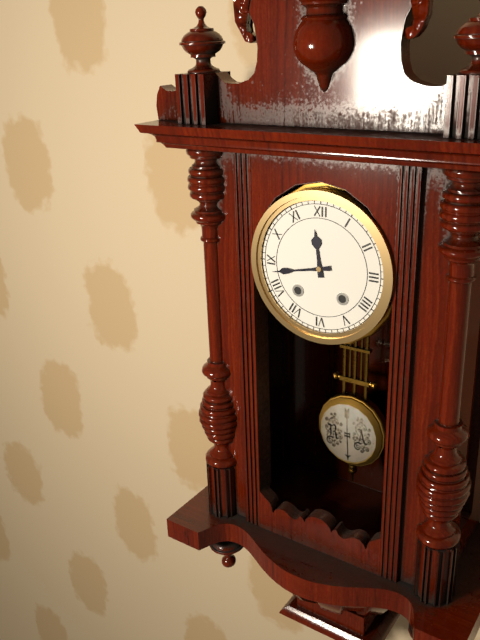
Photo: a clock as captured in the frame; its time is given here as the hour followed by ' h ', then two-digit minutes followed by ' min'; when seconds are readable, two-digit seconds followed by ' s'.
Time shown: 11 h 43 min
